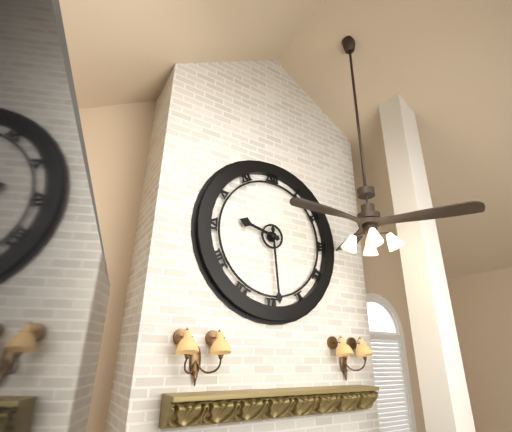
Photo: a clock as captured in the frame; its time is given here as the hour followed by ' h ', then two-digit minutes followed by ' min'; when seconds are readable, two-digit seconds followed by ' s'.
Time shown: 9 h 29 min
